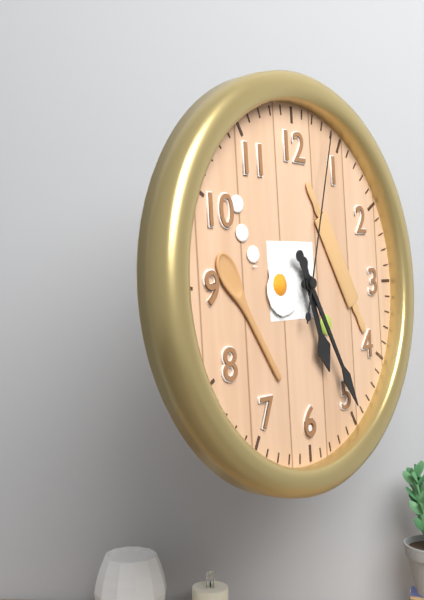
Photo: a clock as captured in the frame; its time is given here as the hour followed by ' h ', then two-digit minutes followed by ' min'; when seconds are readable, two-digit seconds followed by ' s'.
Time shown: 5 h 25 min 03 s
